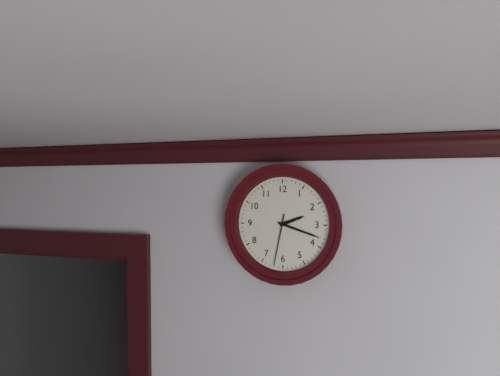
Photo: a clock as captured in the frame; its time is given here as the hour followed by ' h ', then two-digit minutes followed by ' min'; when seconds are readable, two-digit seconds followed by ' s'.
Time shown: 2 h 18 min 32 s
